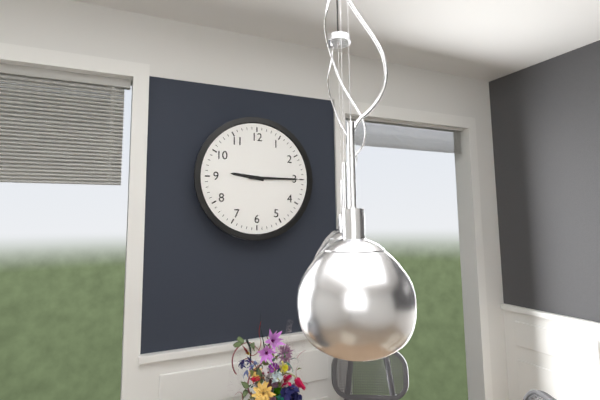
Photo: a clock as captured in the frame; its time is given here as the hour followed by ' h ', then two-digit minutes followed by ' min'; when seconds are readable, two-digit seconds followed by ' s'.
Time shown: 9 h 15 min
